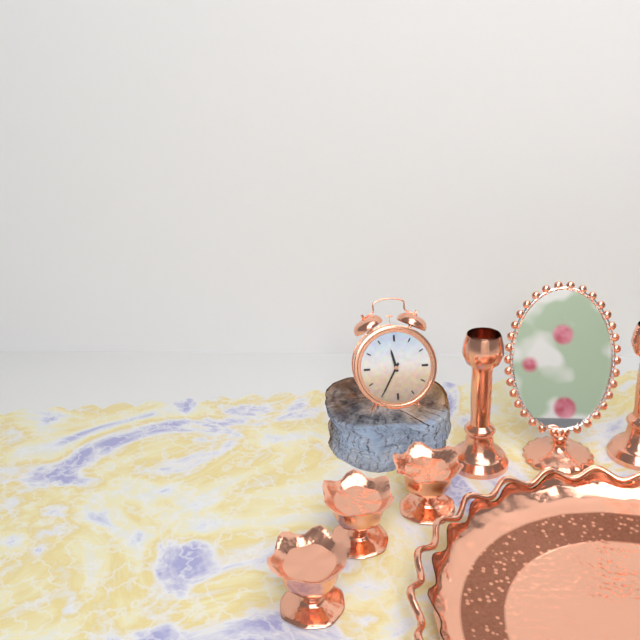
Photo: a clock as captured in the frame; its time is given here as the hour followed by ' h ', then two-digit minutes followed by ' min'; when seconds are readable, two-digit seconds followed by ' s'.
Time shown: 11 h 35 min
